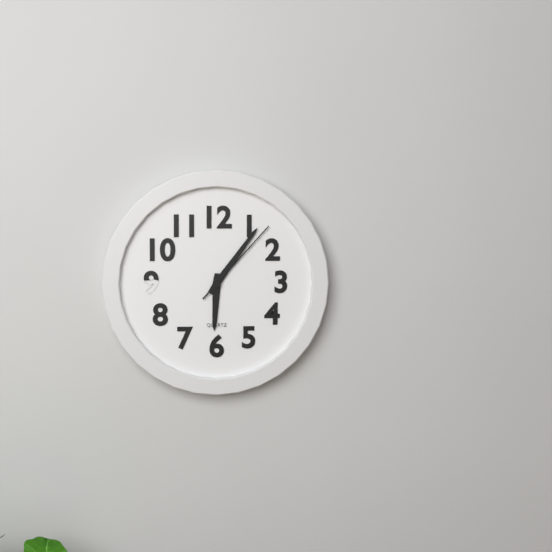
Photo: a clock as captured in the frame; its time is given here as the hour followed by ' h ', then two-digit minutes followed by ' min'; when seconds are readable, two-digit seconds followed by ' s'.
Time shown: 6 h 06 min 07 s
